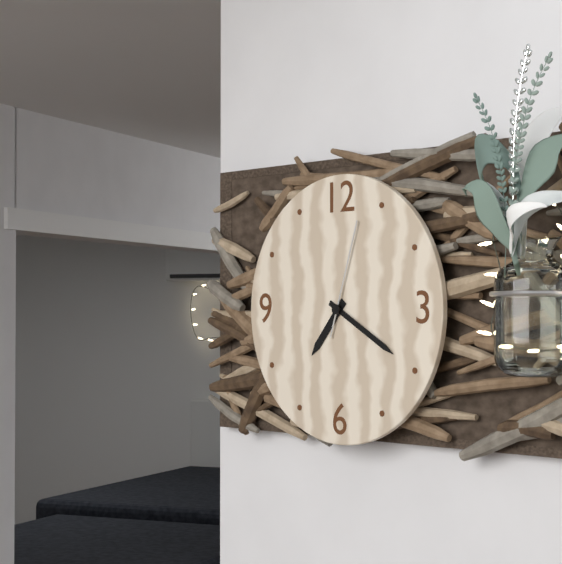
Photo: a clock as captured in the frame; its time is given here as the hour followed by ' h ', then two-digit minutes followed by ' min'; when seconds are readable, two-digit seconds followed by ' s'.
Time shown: 7 h 20 min 03 s
